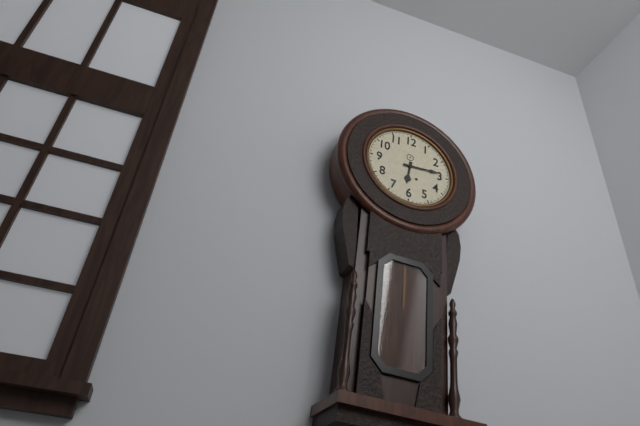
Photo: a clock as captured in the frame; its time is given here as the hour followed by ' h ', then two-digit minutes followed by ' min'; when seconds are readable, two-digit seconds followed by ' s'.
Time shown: 6 h 14 min
